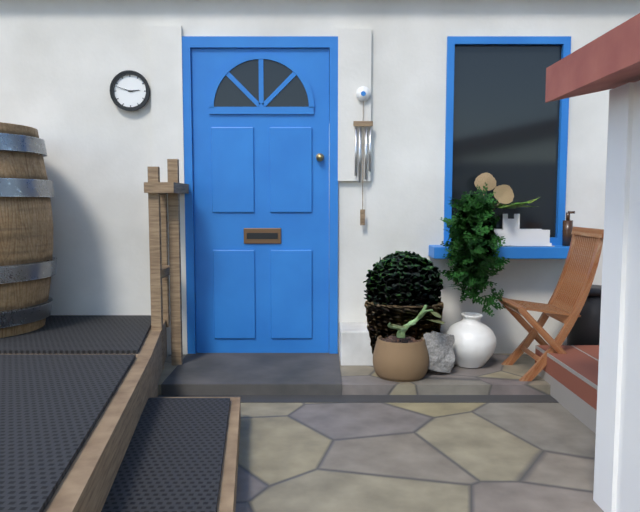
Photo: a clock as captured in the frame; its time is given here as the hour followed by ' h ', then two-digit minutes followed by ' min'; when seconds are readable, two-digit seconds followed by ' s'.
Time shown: 2 h 48 min
